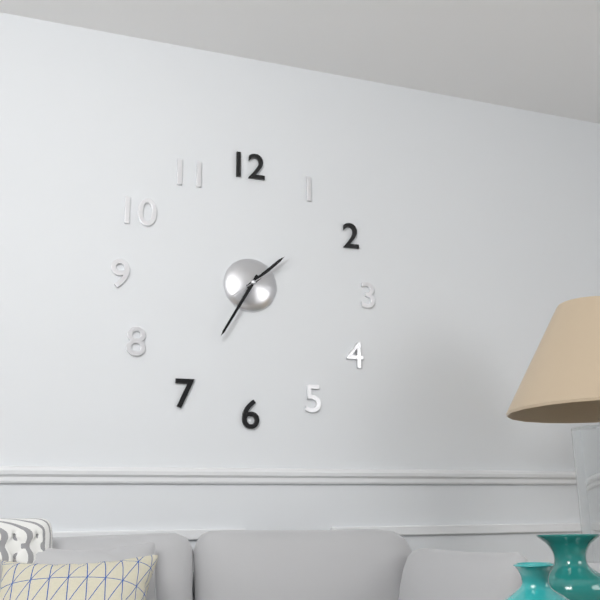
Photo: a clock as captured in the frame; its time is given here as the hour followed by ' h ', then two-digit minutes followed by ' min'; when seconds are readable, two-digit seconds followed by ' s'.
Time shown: 1 h 35 min 09 s
